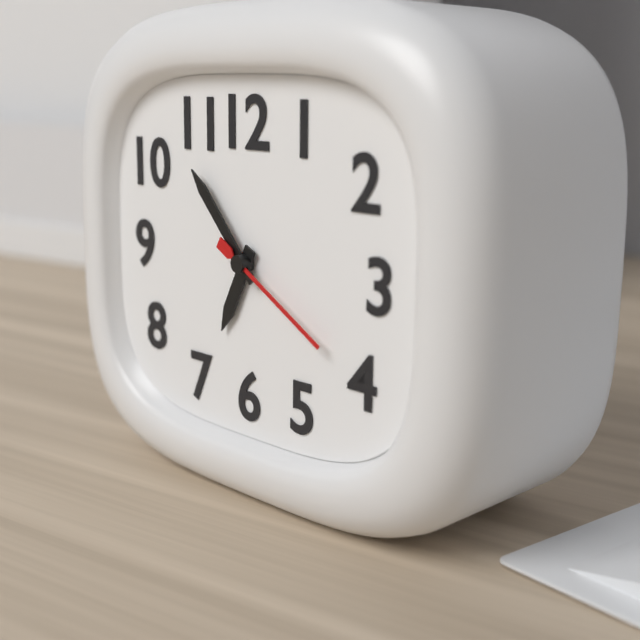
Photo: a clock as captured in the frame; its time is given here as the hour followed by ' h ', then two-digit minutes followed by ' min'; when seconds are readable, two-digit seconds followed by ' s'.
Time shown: 6 h 53 min 20 s
